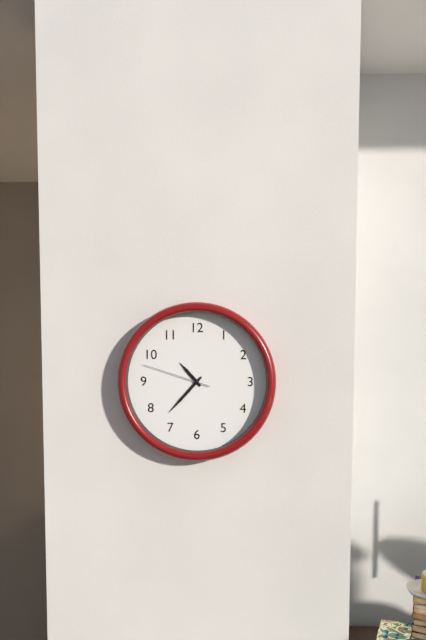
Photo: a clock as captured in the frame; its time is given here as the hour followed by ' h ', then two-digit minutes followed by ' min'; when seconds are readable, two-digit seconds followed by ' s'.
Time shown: 10 h 37 min 48 s
